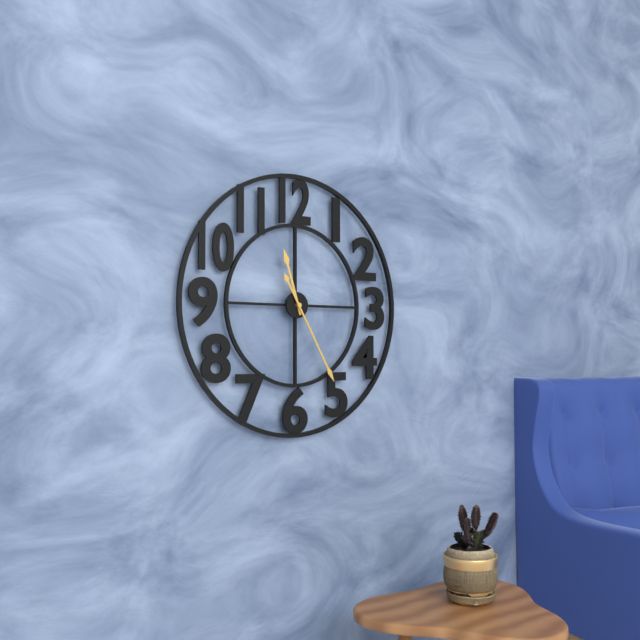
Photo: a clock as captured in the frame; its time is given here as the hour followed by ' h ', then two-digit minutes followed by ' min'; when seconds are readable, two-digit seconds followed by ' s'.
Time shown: 11 h 25 min
